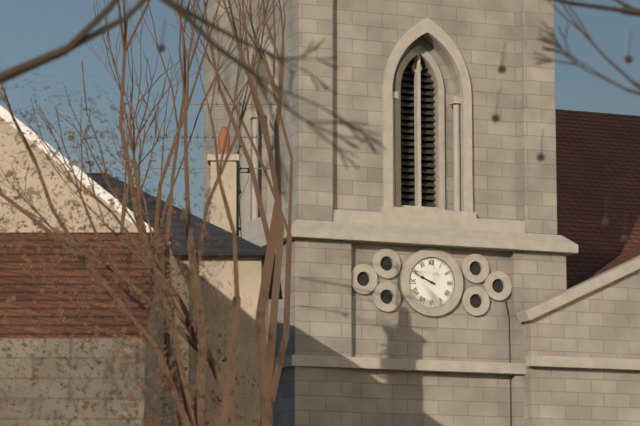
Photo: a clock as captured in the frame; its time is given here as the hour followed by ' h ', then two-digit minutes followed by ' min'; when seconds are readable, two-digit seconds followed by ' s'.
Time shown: 9 h 49 min
